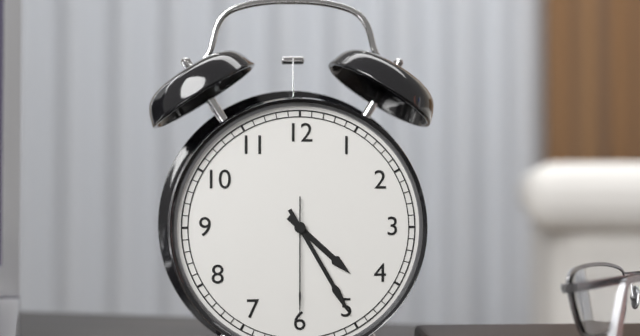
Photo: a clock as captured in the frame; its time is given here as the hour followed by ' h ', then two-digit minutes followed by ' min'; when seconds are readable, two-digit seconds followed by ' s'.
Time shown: 4 h 25 min 30 s
